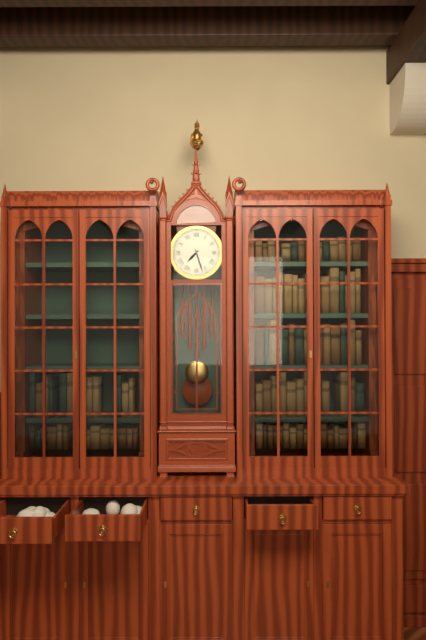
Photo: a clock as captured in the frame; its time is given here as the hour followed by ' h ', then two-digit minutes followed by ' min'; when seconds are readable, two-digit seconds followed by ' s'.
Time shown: 7 h 27 min
